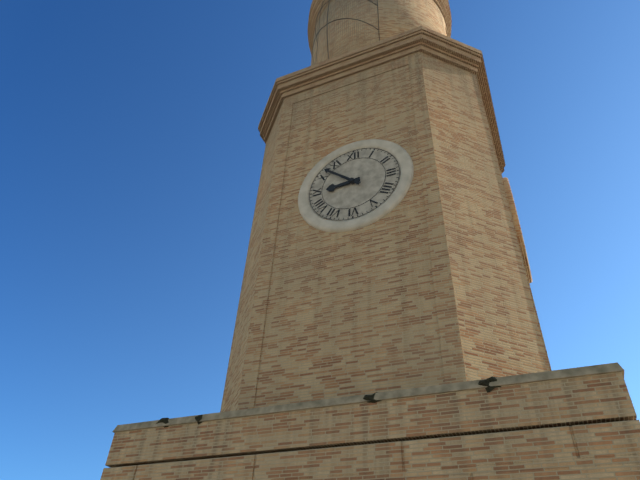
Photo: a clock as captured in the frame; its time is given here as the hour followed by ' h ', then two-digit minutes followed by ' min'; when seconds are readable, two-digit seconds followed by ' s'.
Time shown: 8 h 52 min
